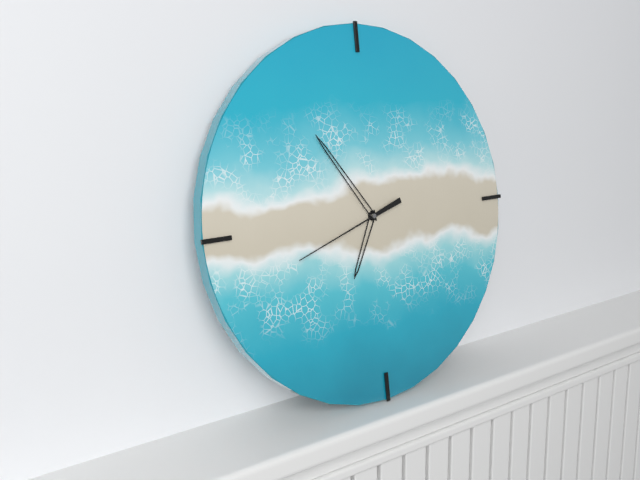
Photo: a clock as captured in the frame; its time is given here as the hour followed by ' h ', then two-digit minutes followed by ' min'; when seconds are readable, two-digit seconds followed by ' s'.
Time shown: 6 h 54 min 42 s
